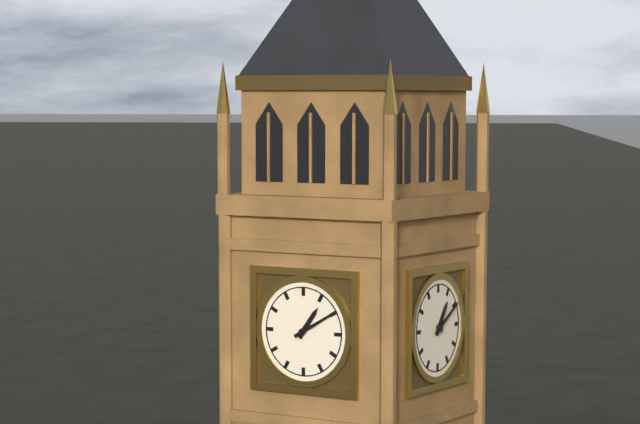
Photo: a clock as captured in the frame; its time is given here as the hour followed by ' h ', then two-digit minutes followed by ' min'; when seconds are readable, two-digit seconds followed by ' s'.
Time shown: 1 h 10 min
